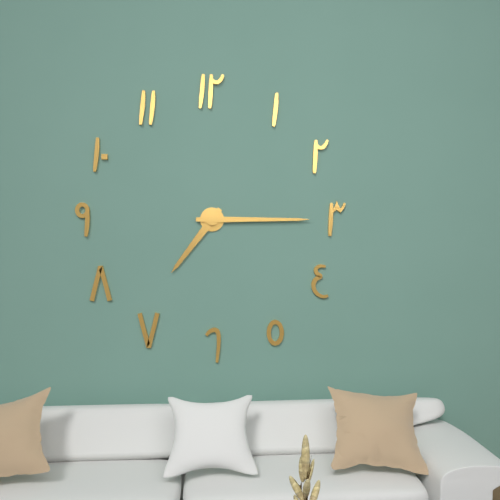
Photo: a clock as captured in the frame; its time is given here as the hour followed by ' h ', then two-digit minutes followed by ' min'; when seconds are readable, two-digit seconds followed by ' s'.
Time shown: 7 h 15 min
